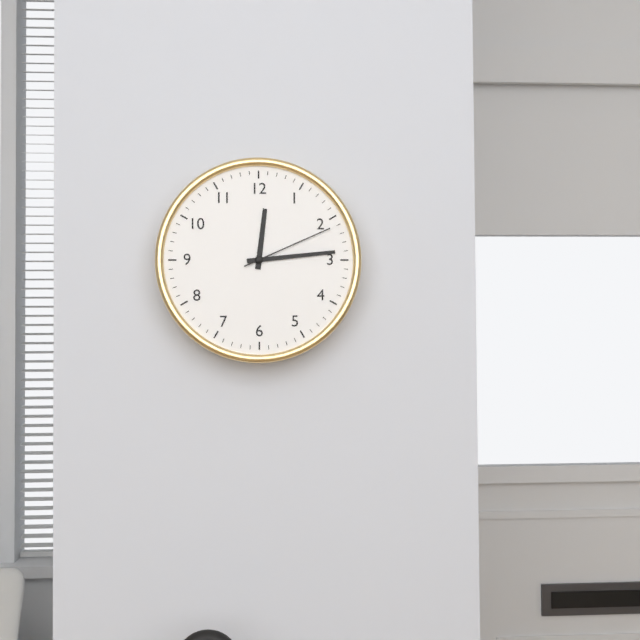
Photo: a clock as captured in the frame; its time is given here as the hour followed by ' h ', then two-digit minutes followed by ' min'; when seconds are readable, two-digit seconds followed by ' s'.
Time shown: 12 h 14 min 11 s
